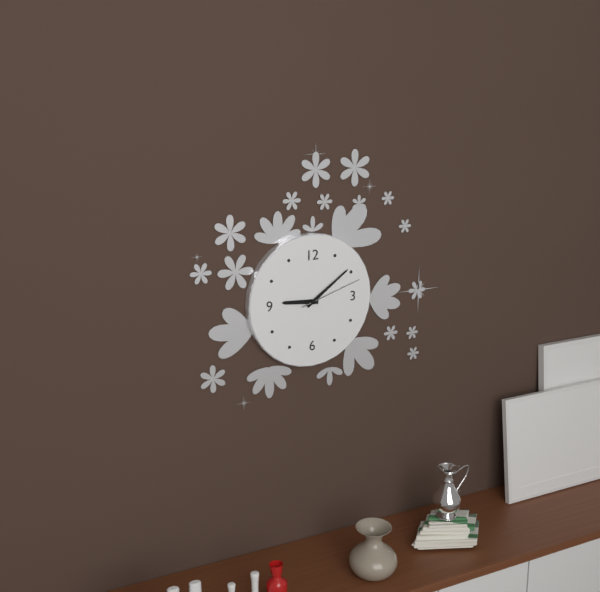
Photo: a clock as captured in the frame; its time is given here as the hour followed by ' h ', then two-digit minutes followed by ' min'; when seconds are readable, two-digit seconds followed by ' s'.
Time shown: 9 h 09 min 12 s
